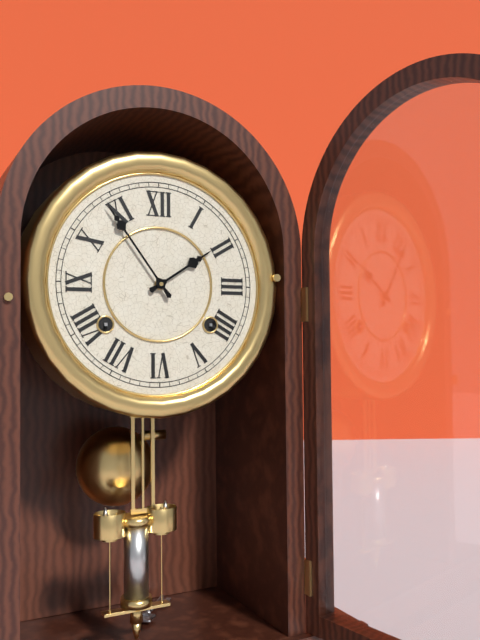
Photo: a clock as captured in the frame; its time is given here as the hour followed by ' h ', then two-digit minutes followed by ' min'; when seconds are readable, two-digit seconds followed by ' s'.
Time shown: 1 h 54 min
